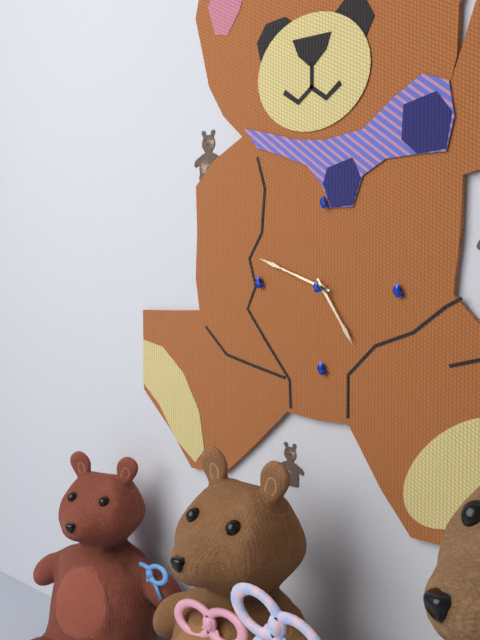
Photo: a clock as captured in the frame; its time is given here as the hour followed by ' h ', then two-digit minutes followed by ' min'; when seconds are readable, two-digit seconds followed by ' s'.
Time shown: 4 h 48 min
